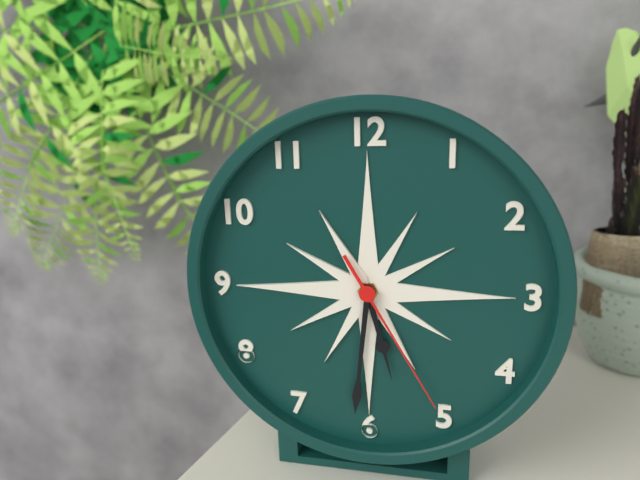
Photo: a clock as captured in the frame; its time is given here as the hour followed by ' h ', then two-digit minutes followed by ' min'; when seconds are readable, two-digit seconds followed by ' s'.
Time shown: 5 h 31 min 25 s
